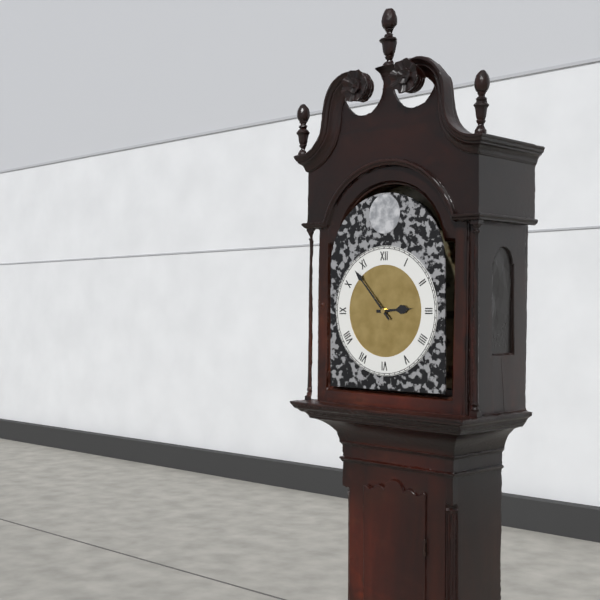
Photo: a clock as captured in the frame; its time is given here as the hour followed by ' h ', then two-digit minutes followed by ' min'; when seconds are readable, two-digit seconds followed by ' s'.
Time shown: 2 h 53 min
